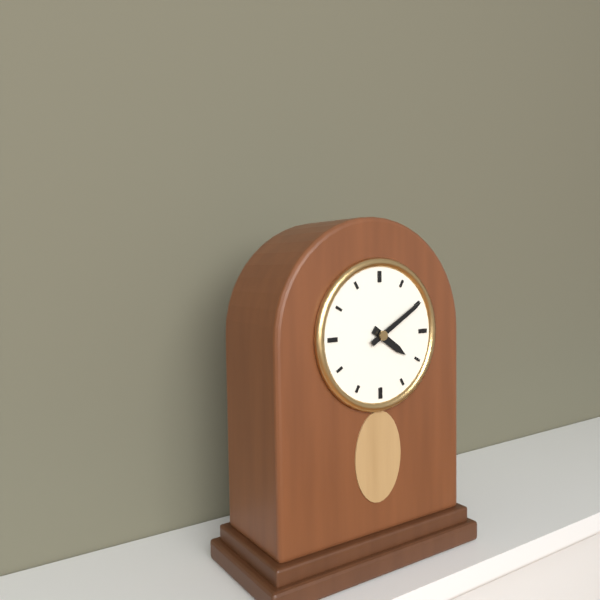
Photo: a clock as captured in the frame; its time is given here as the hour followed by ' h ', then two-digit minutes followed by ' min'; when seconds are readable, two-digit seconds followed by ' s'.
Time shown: 4 h 10 min
